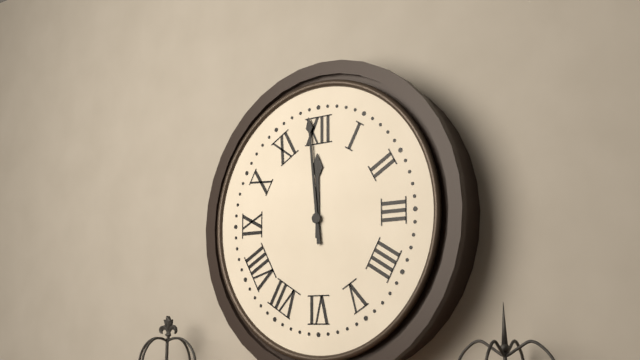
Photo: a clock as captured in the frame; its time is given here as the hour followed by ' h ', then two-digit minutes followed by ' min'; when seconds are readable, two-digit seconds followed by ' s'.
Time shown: 11 h 59 min
